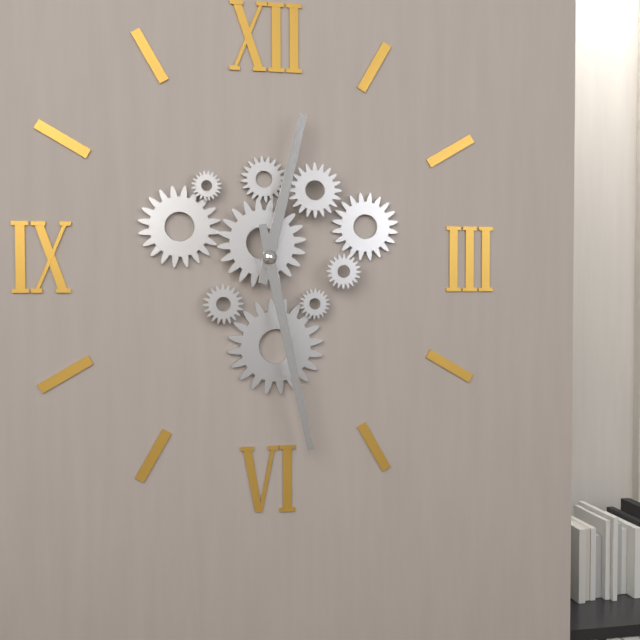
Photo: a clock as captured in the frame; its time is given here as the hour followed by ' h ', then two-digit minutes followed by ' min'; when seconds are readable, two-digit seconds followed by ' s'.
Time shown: 12 h 28 min
